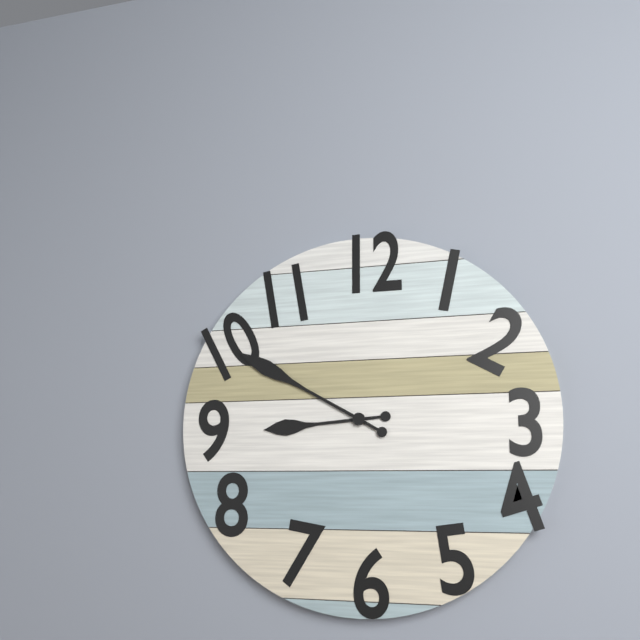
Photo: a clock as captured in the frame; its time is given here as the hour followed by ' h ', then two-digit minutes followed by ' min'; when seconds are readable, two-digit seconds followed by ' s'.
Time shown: 8 h 50 min
